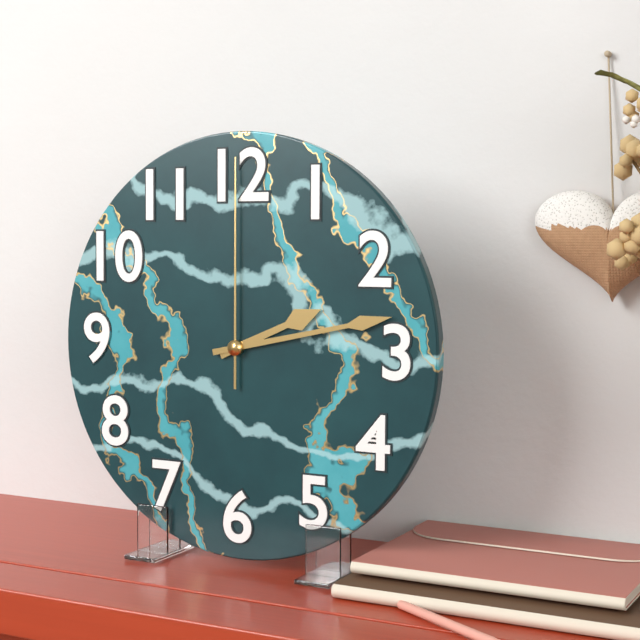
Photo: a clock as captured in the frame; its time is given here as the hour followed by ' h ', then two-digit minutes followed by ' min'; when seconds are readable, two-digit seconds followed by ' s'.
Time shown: 2 h 13 min 00 s
